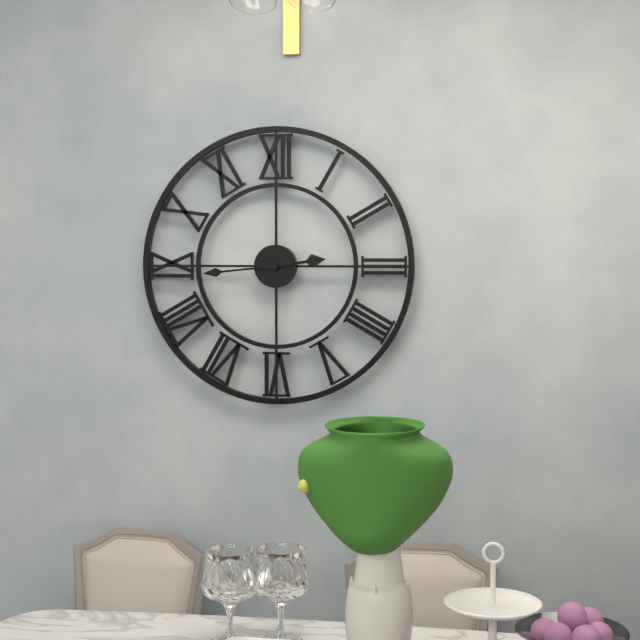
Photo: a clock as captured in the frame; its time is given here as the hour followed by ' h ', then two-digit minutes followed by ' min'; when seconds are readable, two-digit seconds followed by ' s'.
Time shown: 2 h 44 min
